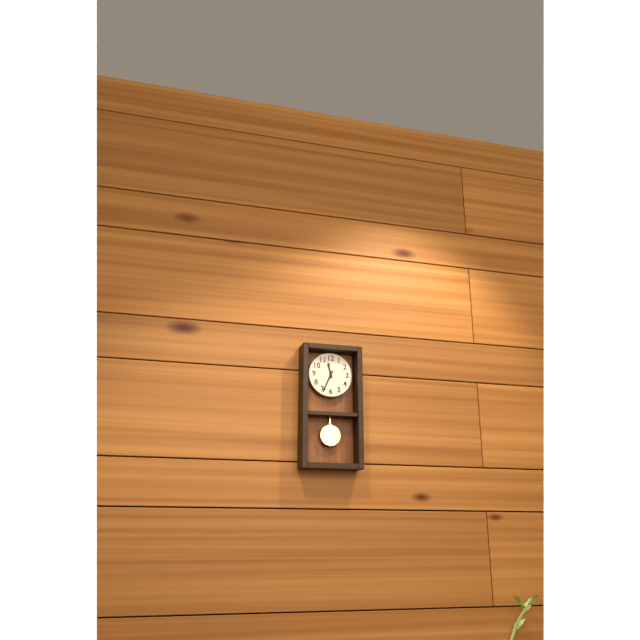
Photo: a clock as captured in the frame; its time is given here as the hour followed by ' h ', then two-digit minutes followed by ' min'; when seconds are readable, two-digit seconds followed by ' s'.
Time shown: 11 h 34 min
